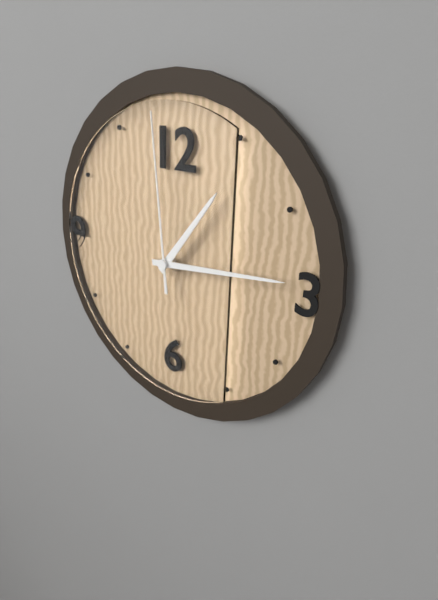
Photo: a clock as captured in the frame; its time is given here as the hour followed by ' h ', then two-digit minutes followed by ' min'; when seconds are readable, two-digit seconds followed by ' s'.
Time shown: 1 h 14 min 59 s
